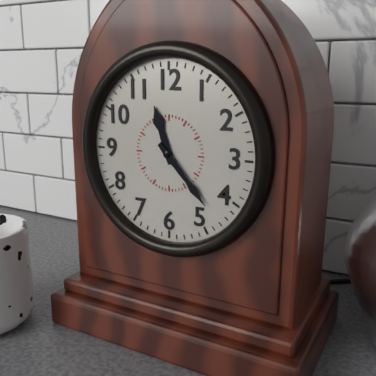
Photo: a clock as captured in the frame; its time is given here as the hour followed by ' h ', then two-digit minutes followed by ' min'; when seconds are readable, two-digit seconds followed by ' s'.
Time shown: 11 h 23 min
